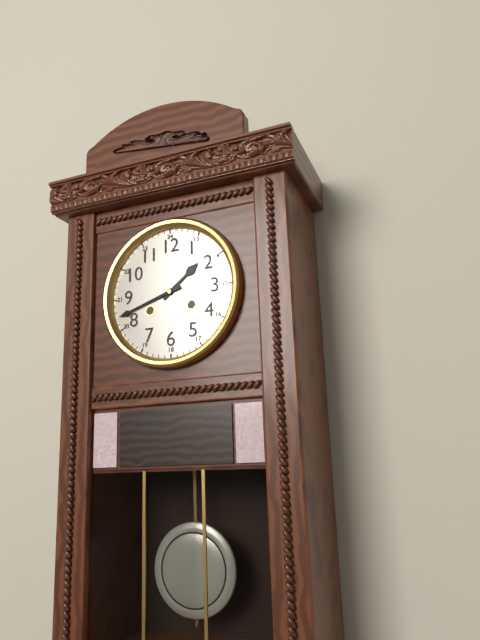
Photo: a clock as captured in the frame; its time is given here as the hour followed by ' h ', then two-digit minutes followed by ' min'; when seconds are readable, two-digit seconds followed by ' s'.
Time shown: 1 h 42 min
